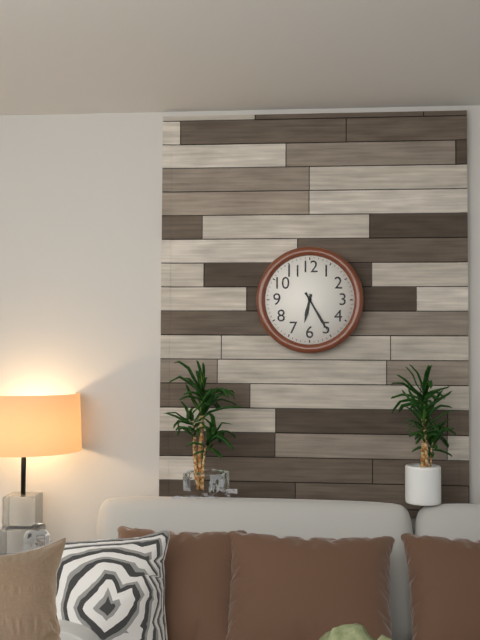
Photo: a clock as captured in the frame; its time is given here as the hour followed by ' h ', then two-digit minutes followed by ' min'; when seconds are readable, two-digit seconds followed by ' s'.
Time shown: 6 h 25 min
